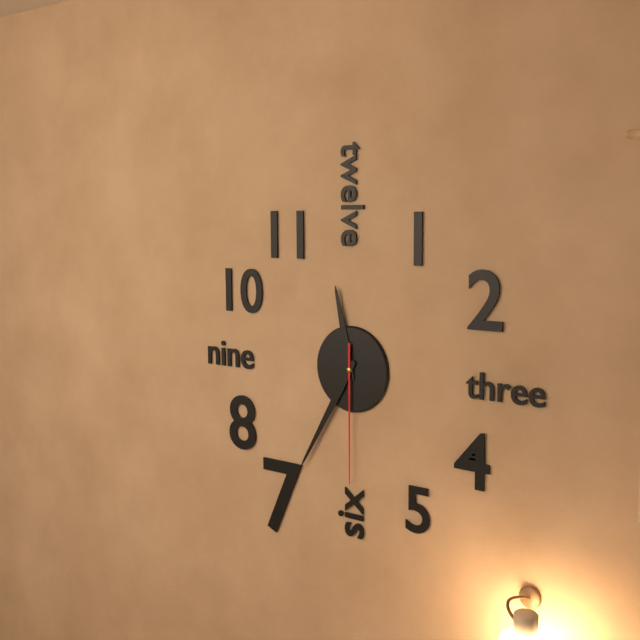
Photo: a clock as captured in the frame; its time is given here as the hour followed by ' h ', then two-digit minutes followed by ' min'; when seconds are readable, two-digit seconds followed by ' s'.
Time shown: 11 h 35 min 30 s
